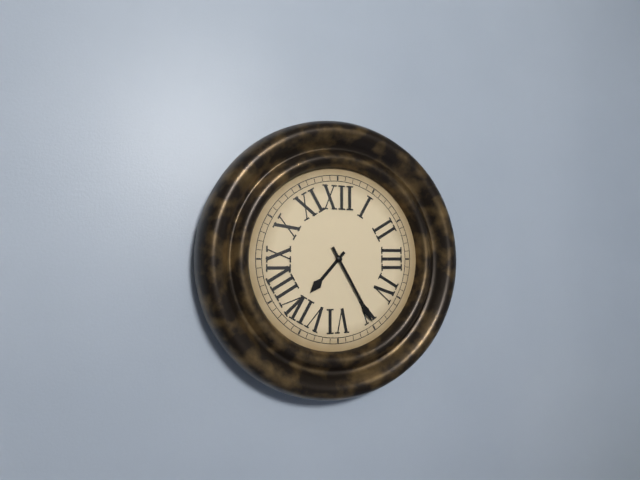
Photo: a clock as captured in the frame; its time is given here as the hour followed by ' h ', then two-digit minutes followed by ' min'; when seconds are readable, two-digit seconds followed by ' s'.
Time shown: 7 h 25 min
